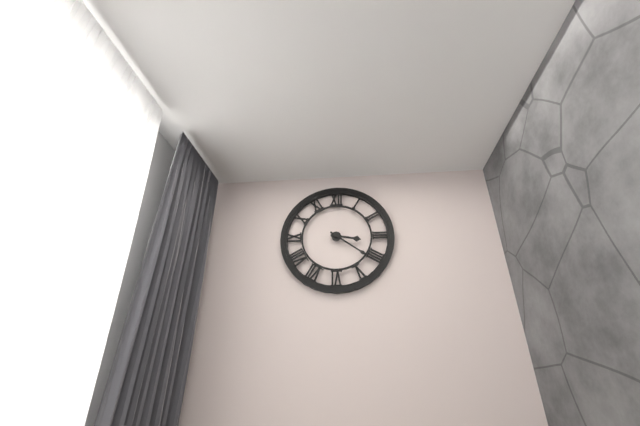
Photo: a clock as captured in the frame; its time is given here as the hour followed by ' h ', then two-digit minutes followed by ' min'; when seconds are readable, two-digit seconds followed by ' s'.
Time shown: 3 h 21 min
